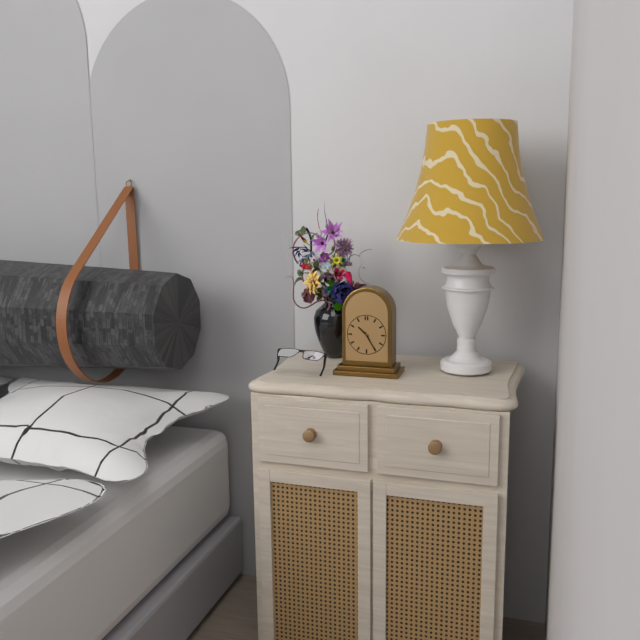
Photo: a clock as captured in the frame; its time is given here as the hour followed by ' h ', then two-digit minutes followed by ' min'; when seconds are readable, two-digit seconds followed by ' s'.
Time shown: 10 h 25 min
